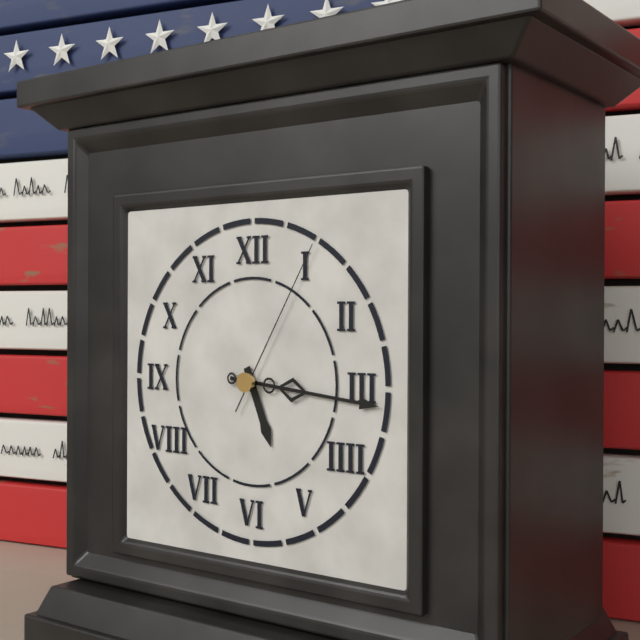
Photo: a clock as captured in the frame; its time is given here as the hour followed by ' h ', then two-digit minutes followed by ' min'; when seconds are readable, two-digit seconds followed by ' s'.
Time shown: 5 h 16 min 05 s
